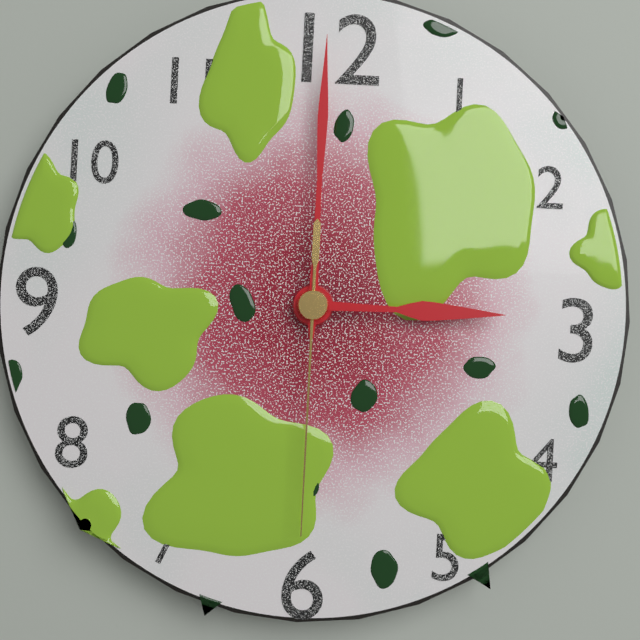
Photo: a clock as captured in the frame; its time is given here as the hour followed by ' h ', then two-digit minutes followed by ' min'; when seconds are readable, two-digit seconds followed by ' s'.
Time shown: 3 h 00 min 30 s
